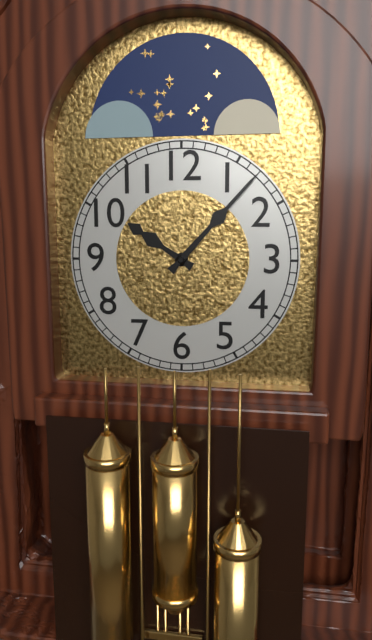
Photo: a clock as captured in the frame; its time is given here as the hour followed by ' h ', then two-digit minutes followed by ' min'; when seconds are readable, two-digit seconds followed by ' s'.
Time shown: 10 h 07 min
